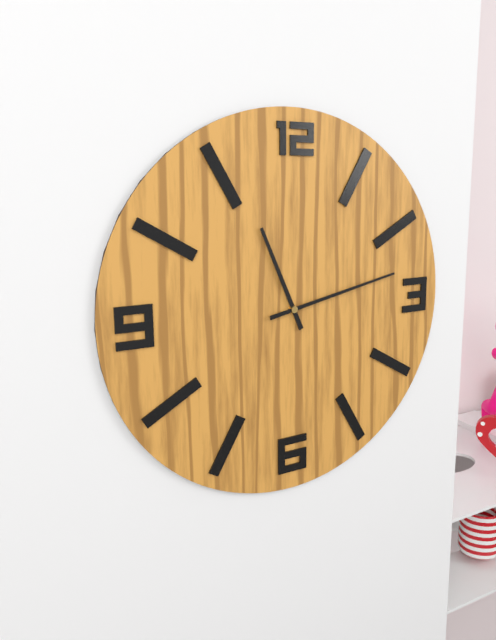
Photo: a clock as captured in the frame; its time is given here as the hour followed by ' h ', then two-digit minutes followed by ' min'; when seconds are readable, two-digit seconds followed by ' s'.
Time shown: 11 h 13 min
